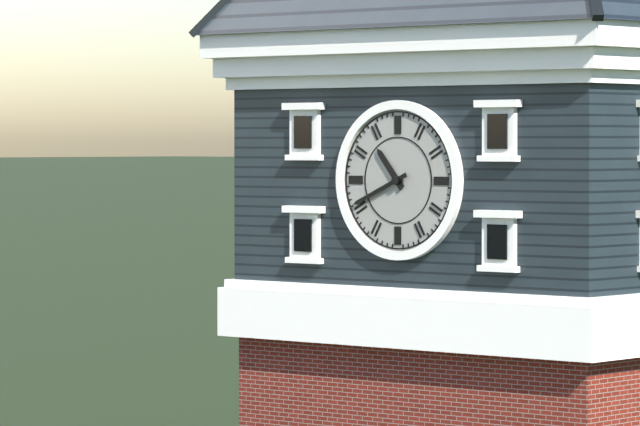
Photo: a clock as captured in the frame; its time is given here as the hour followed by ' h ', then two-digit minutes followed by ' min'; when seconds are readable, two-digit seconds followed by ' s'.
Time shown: 10 h 41 min
